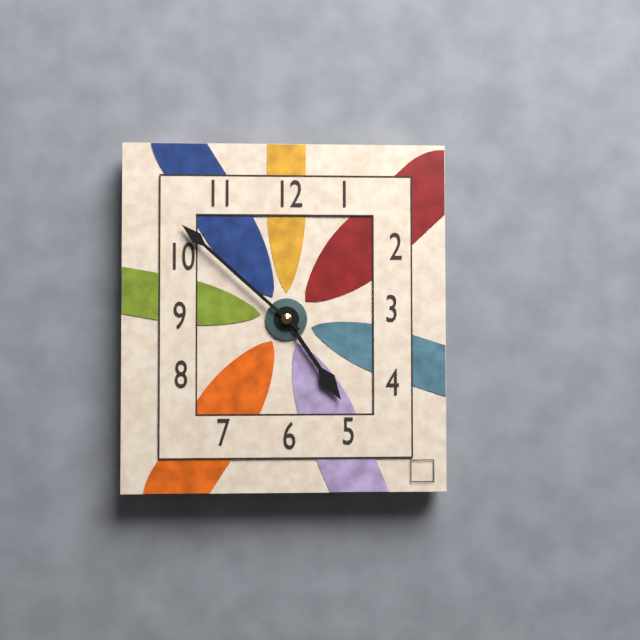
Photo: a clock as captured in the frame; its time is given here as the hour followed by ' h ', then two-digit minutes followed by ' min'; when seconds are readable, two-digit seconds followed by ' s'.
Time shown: 4 h 52 min
